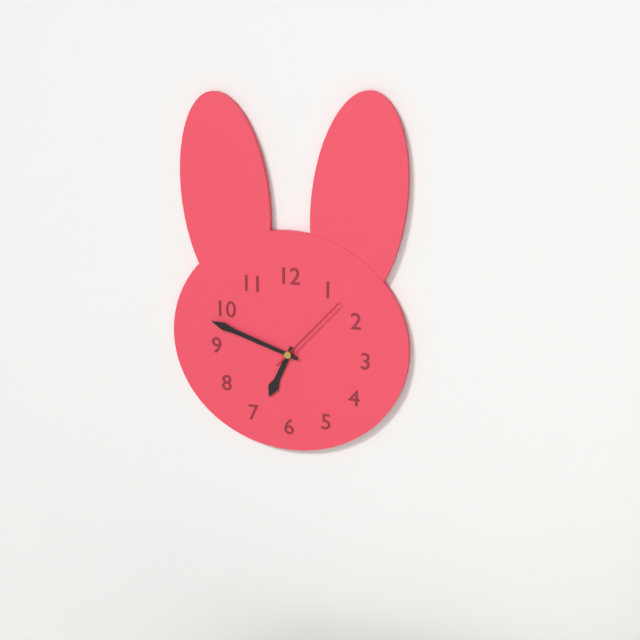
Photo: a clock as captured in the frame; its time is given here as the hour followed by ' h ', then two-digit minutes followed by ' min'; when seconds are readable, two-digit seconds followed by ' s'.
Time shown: 6 h 48 min 07 s
